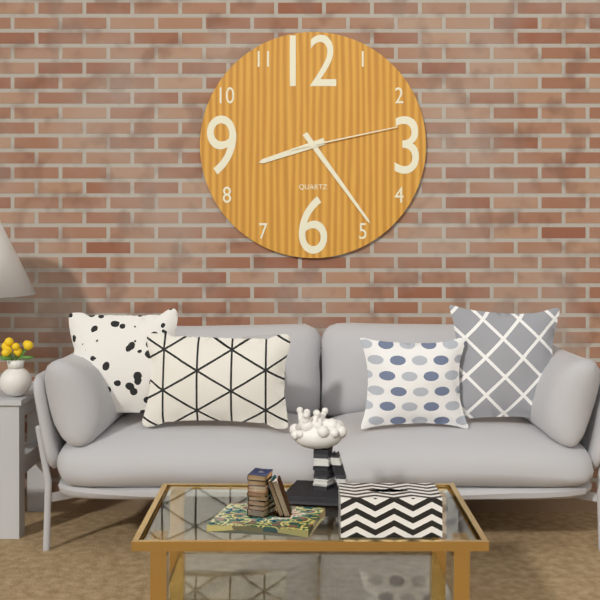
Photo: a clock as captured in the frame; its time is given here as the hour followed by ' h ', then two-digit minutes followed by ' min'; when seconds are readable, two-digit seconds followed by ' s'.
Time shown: 8 h 24 min 13 s
